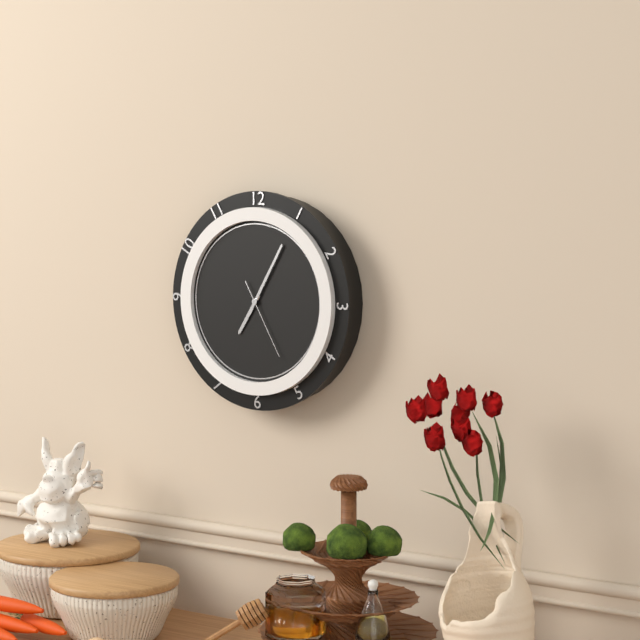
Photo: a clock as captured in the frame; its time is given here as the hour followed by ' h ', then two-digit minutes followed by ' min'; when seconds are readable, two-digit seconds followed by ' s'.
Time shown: 7 h 05 min 25 s
